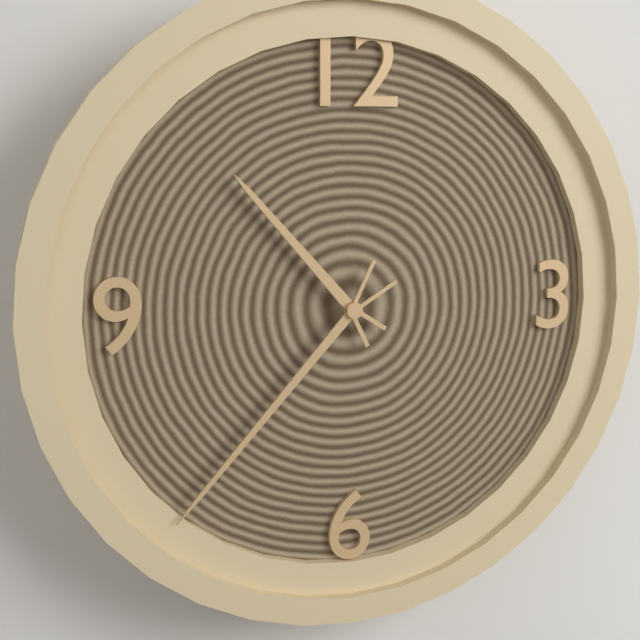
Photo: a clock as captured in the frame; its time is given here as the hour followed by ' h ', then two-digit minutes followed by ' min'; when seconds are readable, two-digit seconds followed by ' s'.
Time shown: 10 h 37 min
